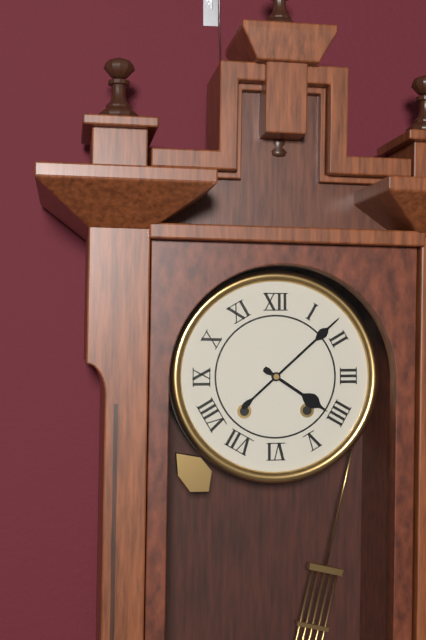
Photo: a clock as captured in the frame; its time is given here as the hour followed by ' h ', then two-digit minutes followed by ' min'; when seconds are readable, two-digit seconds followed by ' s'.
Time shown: 4 h 08 min
